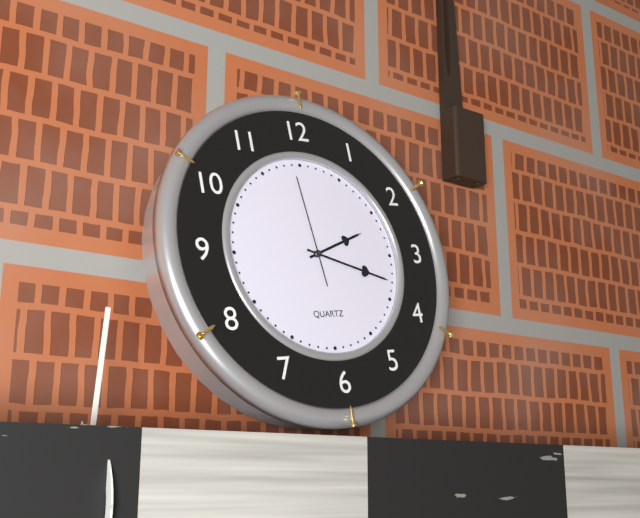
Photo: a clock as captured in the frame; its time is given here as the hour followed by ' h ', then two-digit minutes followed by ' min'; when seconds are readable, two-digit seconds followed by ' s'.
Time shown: 2 h 18 min 59 s
